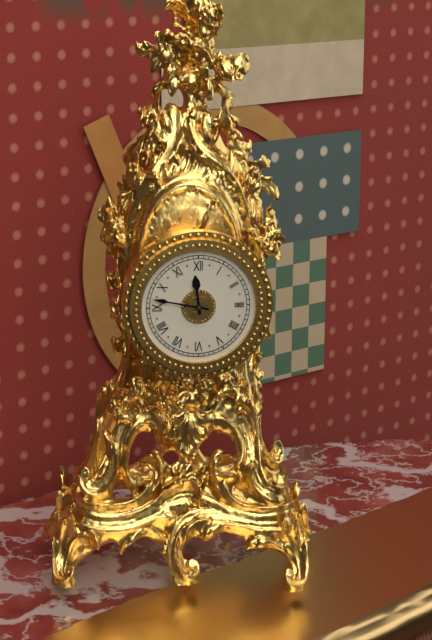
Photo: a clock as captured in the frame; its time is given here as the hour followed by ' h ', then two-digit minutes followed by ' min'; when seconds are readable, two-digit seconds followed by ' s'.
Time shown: 11 h 47 min
